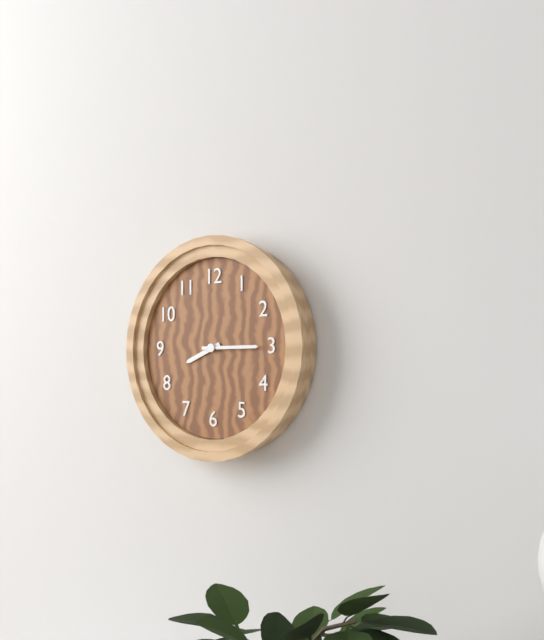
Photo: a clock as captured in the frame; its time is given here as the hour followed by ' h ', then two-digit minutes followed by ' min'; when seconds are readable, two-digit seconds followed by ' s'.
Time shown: 8 h 15 min
